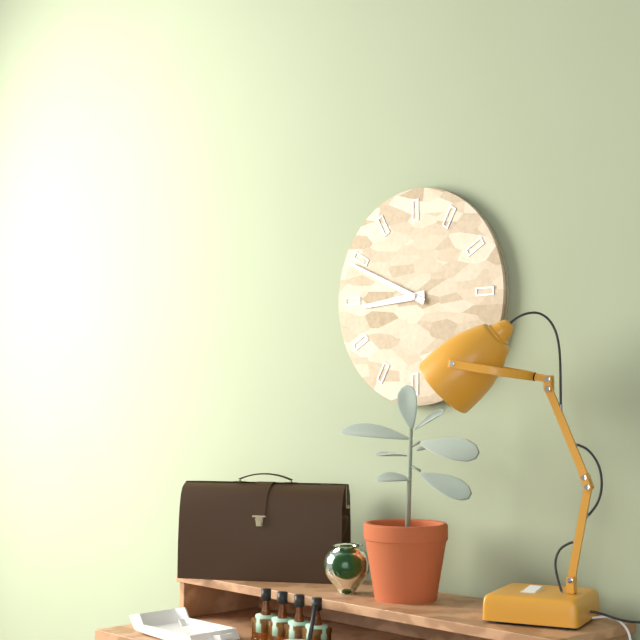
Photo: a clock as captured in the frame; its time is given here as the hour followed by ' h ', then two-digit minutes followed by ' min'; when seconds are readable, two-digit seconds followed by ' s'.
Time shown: 8 h 49 min
